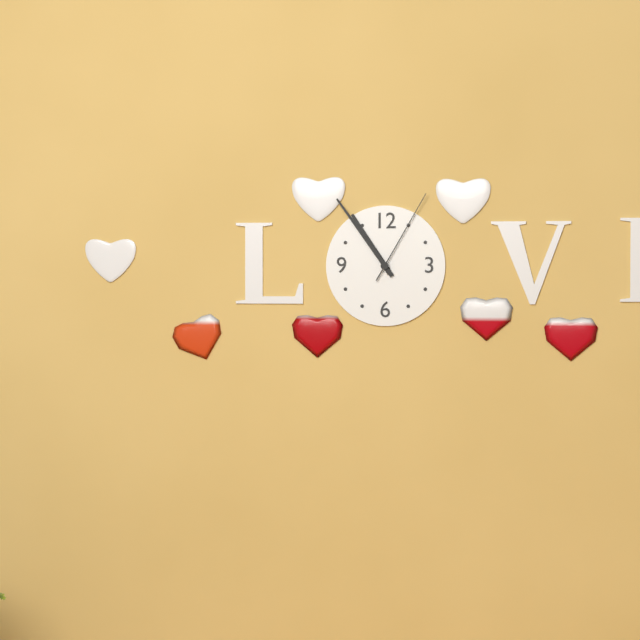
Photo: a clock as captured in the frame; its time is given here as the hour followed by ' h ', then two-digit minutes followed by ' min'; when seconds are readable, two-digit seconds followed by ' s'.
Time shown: 10 h 54 min 05 s
